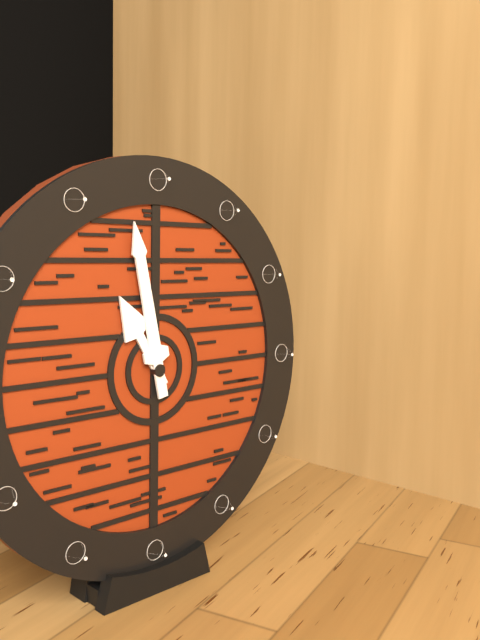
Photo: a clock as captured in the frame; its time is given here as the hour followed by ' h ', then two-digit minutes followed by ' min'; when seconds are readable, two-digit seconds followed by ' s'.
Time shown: 10 h 58 min
